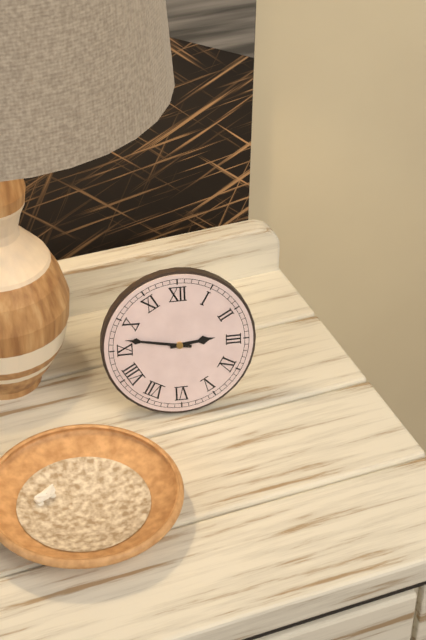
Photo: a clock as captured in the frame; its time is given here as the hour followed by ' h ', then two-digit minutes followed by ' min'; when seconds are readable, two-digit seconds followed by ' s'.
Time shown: 2 h 47 min
